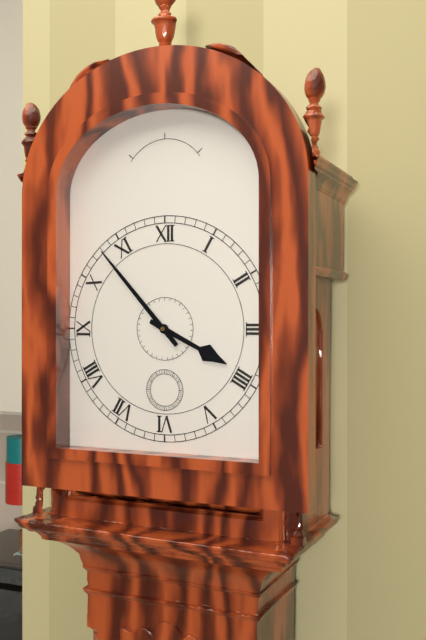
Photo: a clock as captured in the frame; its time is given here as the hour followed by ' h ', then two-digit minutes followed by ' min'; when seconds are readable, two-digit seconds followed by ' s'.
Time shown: 3 h 53 min
